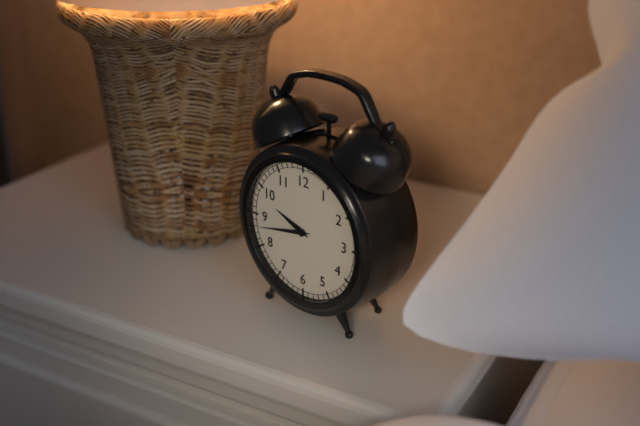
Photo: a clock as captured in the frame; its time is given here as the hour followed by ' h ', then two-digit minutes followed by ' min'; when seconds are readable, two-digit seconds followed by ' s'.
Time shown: 9 h 43 min
